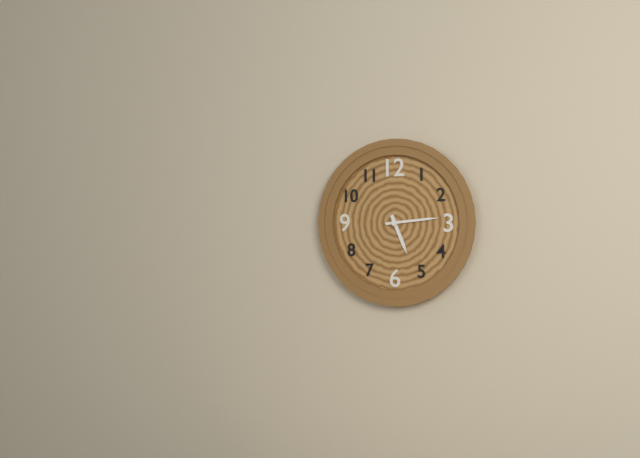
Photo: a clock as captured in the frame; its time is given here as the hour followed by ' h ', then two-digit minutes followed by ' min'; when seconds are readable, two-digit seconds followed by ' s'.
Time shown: 5 h 14 min
